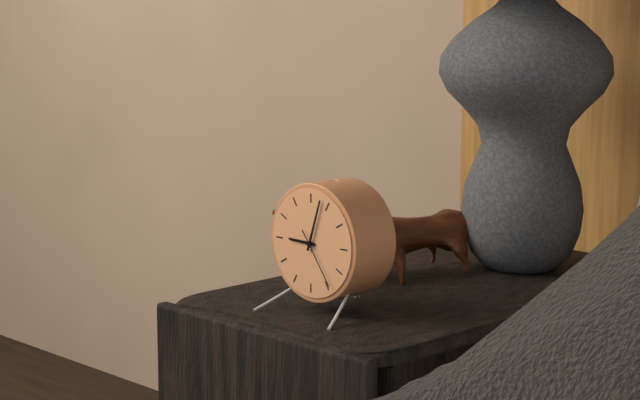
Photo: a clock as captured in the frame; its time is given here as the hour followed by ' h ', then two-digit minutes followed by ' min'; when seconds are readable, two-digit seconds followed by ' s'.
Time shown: 9 h 03 min 24 s
